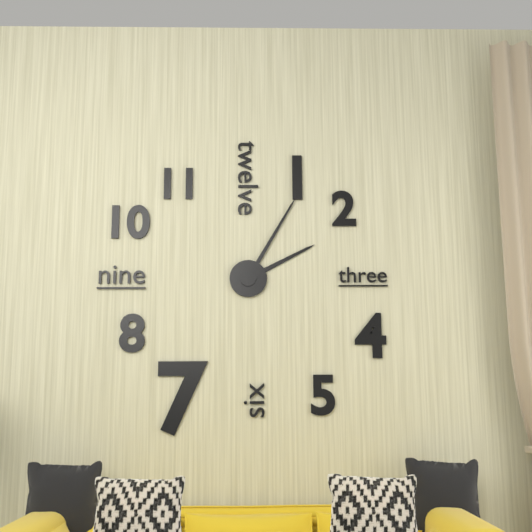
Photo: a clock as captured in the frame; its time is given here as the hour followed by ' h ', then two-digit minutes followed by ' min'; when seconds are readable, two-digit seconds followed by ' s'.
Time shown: 2 h 05 min
